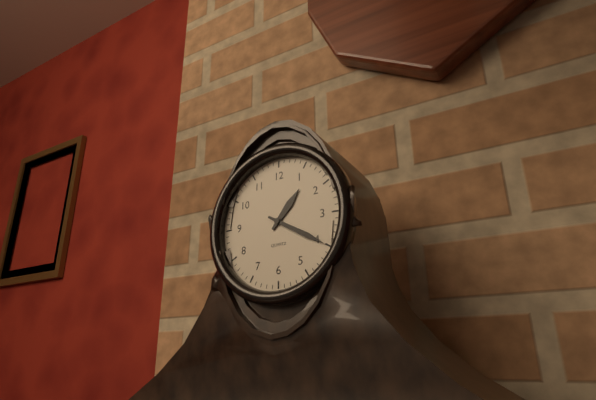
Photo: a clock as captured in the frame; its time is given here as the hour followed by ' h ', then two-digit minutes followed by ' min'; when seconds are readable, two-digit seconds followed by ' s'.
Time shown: 1 h 20 min
